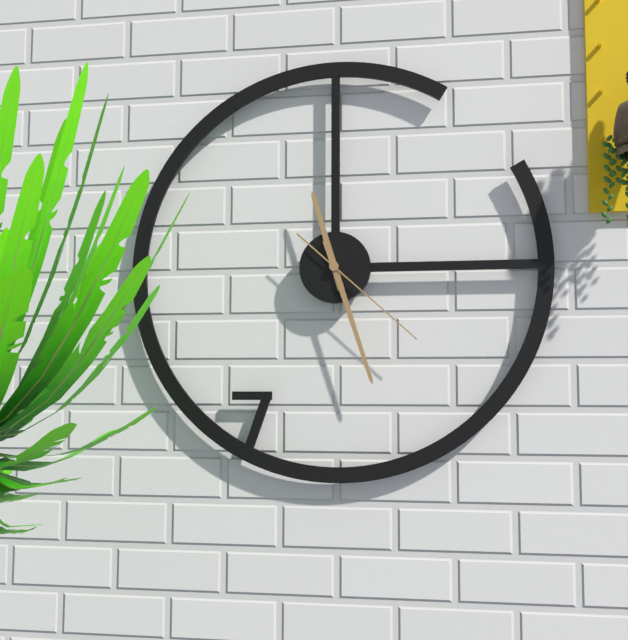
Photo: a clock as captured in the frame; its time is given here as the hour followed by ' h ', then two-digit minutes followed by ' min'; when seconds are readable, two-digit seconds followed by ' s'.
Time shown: 11 h 27 min 22 s
